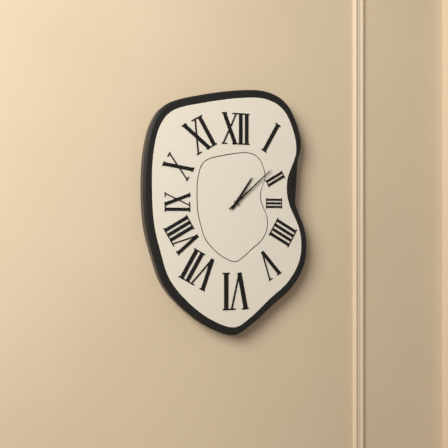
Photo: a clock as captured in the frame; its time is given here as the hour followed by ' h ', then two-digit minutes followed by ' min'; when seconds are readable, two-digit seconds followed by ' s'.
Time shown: 1 h 08 min
